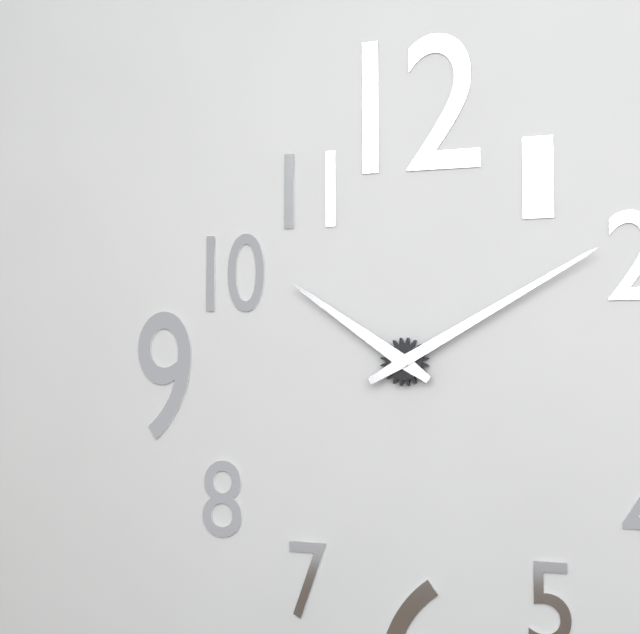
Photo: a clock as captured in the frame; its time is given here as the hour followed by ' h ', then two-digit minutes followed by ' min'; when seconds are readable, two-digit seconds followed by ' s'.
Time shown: 10 h 10 min
